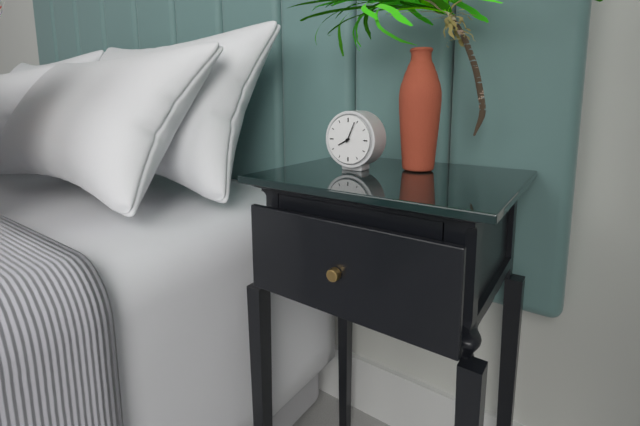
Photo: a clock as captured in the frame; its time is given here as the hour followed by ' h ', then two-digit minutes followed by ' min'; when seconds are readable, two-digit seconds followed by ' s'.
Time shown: 8 h 04 min
